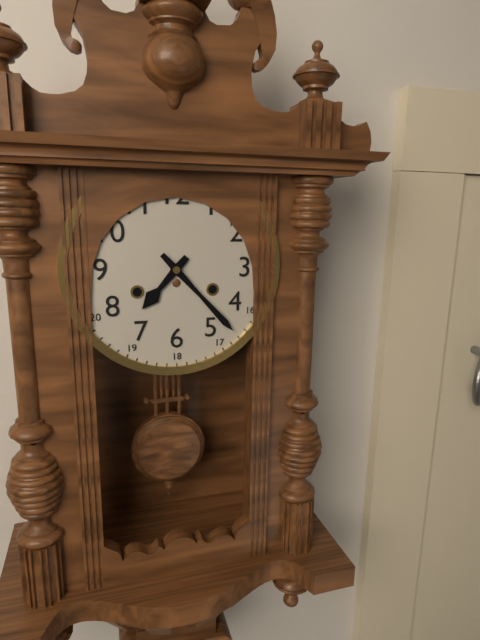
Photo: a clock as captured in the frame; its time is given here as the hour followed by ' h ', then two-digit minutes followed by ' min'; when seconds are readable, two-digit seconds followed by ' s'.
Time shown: 7 h 23 min
